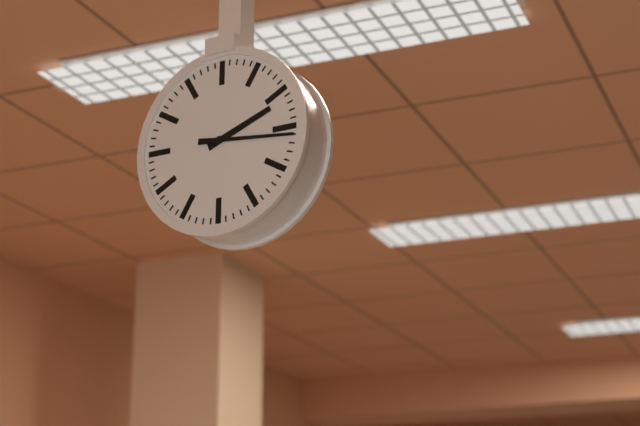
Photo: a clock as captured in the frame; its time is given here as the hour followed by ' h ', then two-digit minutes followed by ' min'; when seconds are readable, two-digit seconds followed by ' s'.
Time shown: 2 h 16 min
